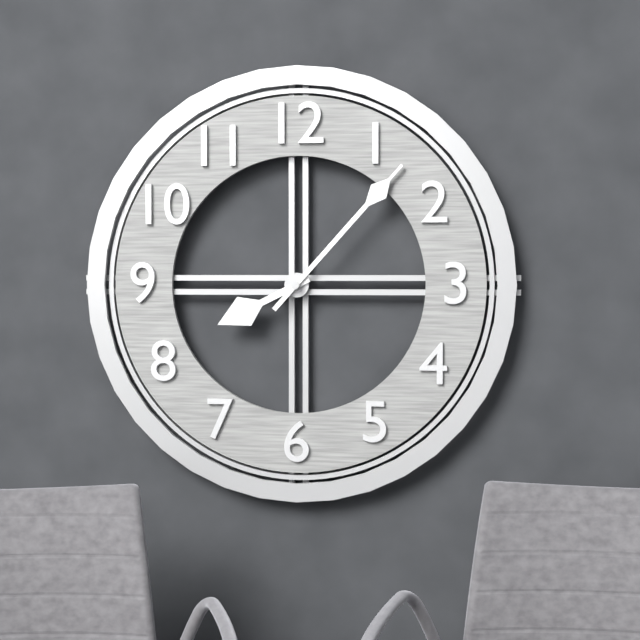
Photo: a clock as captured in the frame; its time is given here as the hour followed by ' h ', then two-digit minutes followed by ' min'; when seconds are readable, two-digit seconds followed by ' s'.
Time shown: 8 h 07 min
